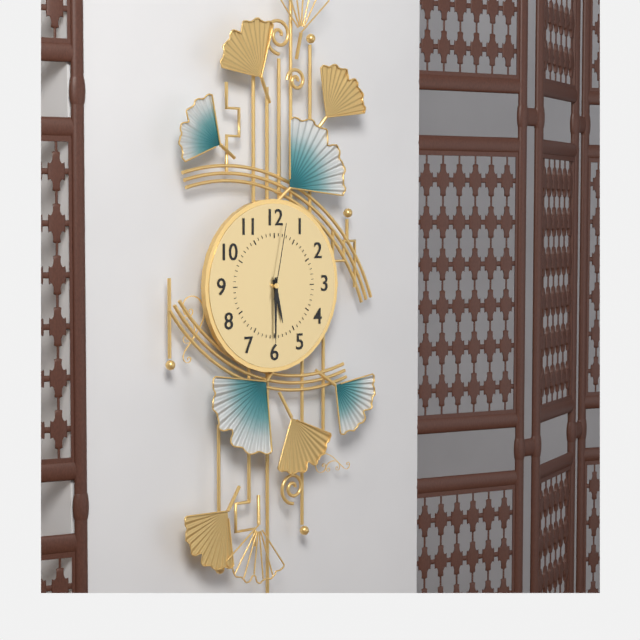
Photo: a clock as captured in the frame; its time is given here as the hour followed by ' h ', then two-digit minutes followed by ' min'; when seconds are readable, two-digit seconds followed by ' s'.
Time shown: 5 h 30 min 02 s
